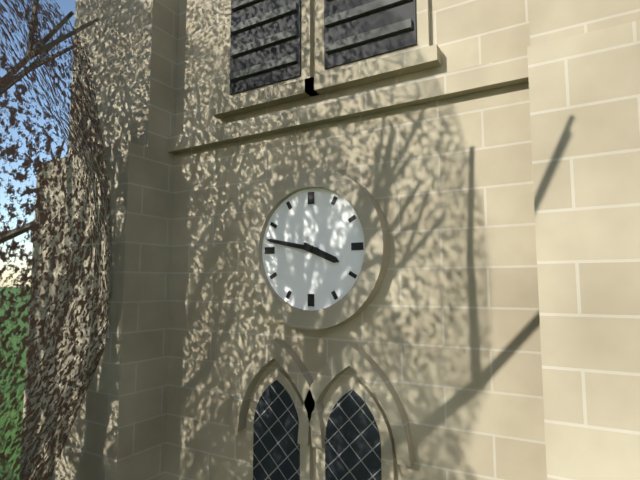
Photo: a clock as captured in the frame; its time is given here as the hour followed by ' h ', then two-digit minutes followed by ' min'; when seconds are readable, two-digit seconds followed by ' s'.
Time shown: 3 h 47 min
